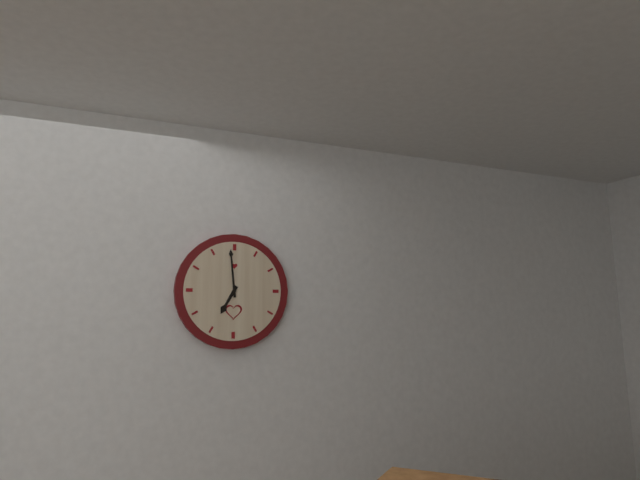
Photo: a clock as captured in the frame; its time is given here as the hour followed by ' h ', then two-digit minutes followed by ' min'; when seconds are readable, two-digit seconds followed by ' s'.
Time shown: 6 h 59 min
